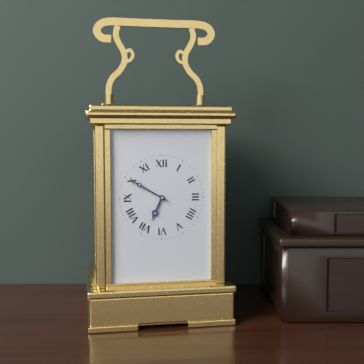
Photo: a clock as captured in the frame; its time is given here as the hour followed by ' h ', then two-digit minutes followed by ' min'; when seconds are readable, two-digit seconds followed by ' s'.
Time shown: 6 h 50 min
